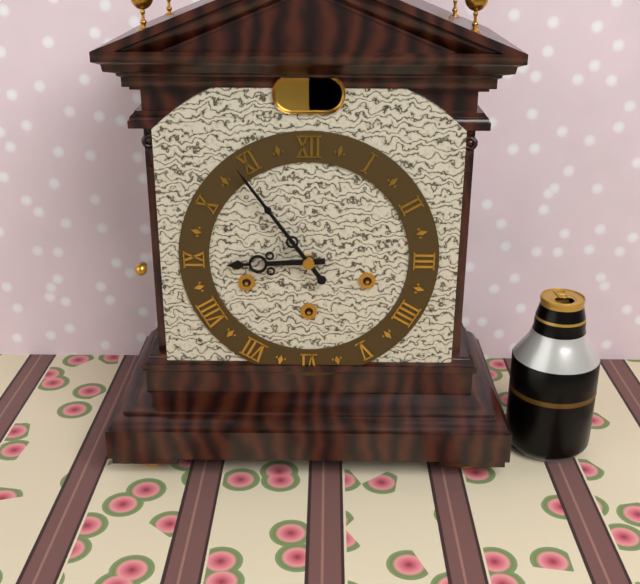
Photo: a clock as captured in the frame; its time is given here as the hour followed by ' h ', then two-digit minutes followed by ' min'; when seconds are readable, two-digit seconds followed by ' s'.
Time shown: 8 h 54 min
